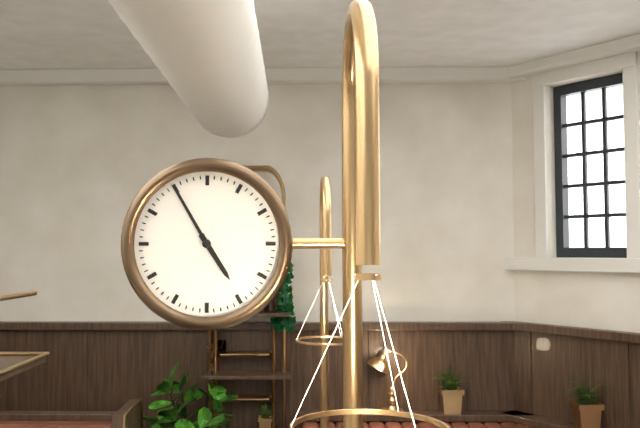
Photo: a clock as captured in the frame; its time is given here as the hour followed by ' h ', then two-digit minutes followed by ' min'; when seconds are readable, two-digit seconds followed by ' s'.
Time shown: 4 h 55 min
